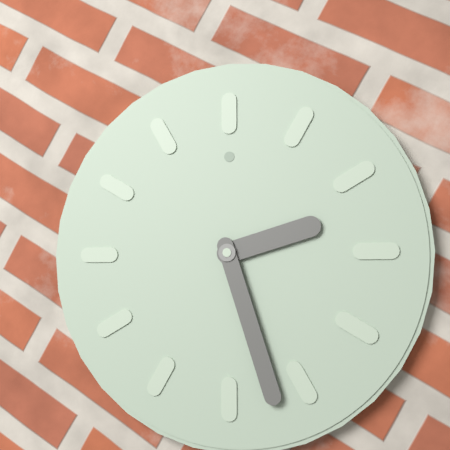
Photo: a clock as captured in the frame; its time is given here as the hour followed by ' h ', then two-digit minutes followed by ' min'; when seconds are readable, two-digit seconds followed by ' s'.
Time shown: 2 h 27 min
